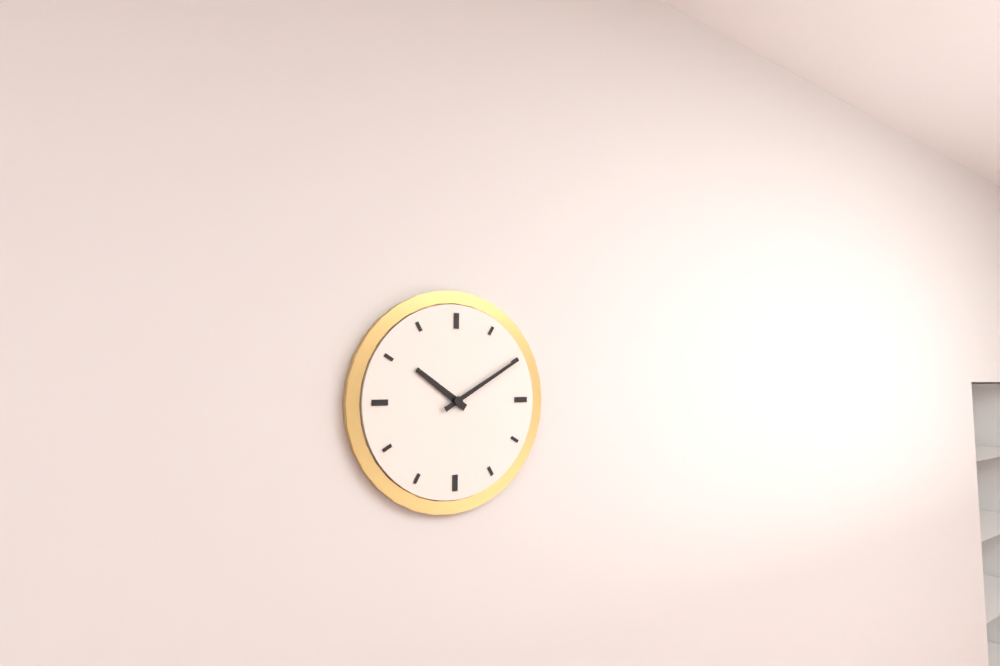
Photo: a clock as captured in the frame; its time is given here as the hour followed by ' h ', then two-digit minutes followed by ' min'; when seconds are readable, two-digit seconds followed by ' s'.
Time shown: 10 h 10 min
